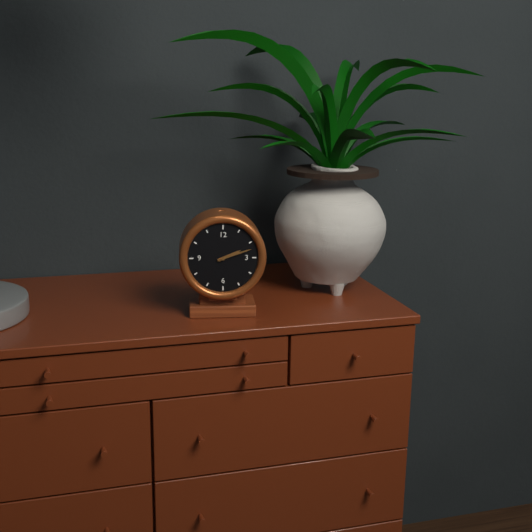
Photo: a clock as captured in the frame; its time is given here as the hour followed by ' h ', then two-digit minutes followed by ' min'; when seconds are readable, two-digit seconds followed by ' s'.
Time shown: 2 h 12 min
